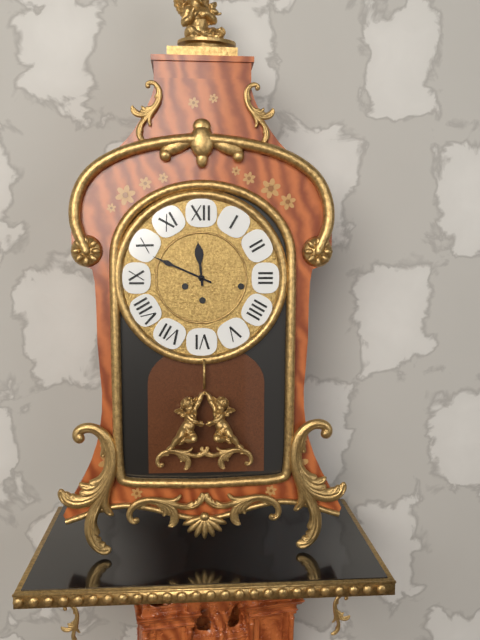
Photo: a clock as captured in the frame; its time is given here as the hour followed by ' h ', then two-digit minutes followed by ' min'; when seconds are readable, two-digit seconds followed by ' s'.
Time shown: 11 h 49 min
